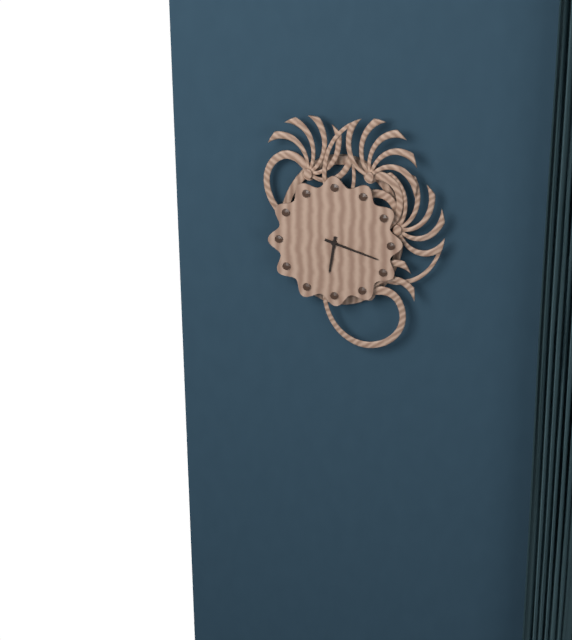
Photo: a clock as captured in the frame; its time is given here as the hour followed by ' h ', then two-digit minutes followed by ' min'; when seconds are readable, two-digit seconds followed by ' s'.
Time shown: 6 h 18 min
